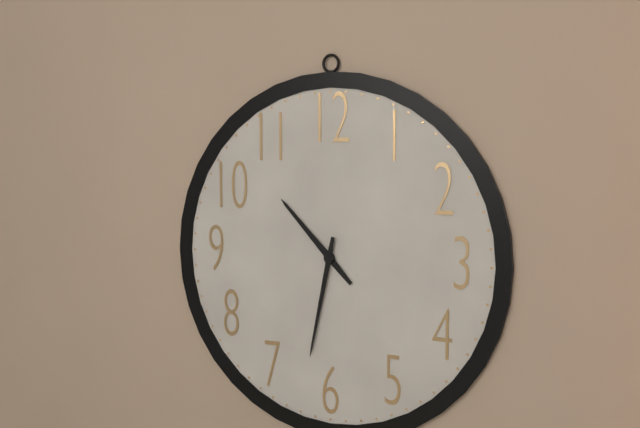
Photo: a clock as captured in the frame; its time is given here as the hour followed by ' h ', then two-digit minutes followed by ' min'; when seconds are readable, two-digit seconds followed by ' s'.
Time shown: 10 h 32 min
